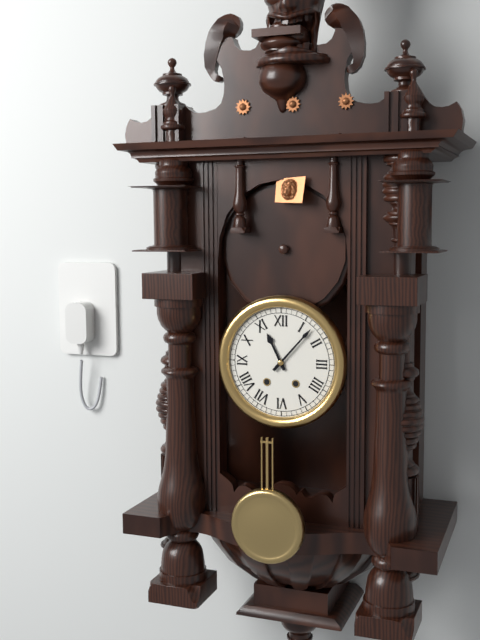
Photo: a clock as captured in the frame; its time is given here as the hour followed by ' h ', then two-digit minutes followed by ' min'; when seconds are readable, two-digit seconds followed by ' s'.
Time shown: 11 h 07 min
